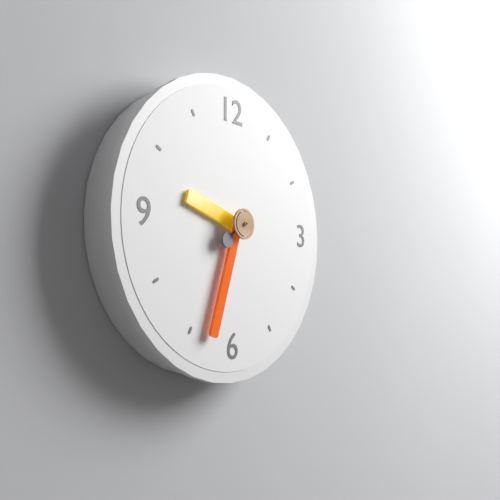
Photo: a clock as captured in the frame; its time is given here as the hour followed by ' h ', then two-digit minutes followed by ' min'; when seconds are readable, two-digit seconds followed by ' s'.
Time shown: 9 h 33 min
